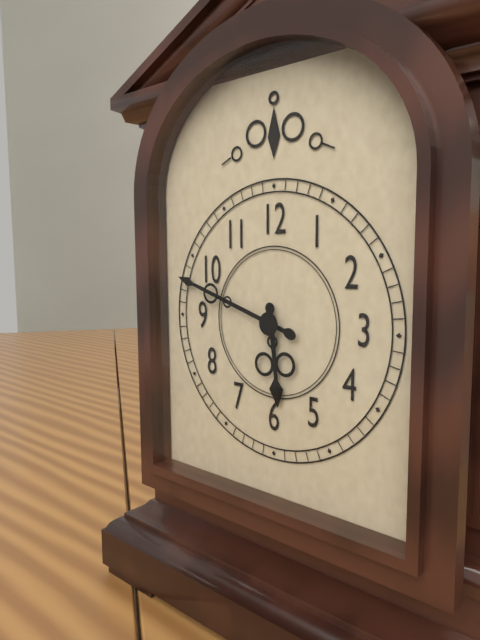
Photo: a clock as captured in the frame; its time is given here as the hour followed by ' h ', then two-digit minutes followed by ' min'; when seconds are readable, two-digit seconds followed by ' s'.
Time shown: 5 h 48 min
